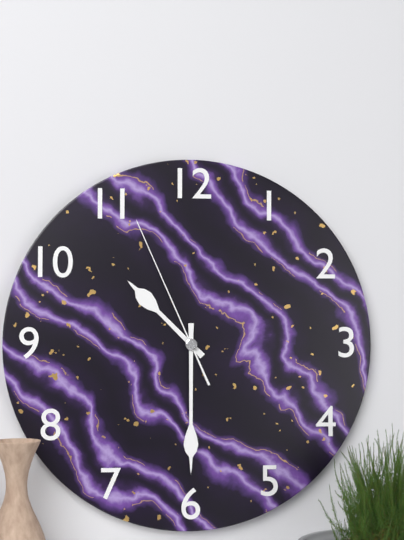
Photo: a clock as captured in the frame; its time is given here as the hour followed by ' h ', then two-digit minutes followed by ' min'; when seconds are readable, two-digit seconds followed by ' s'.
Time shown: 10 h 30 min 56 s
